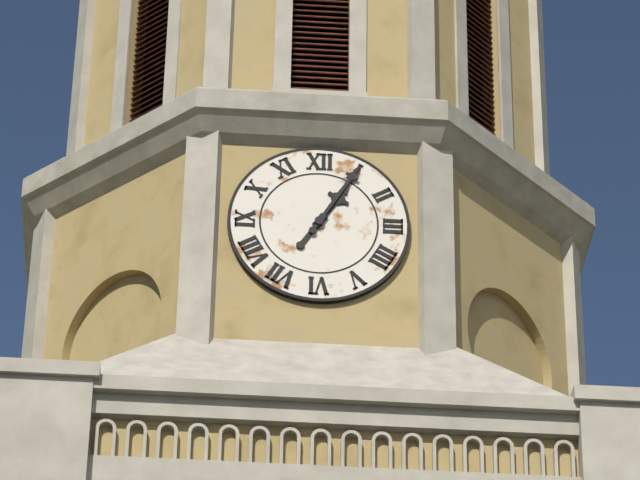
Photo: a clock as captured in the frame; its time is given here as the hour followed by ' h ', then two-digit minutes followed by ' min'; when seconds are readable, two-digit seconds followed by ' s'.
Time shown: 1 h 05 min
